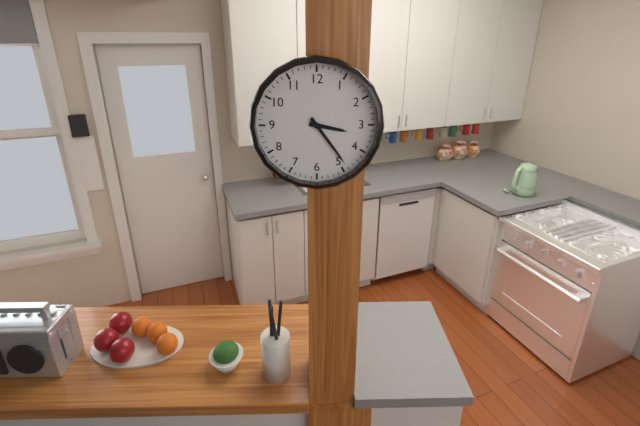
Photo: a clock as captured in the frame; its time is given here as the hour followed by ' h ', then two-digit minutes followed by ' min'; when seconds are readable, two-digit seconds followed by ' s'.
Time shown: 3 h 24 min
